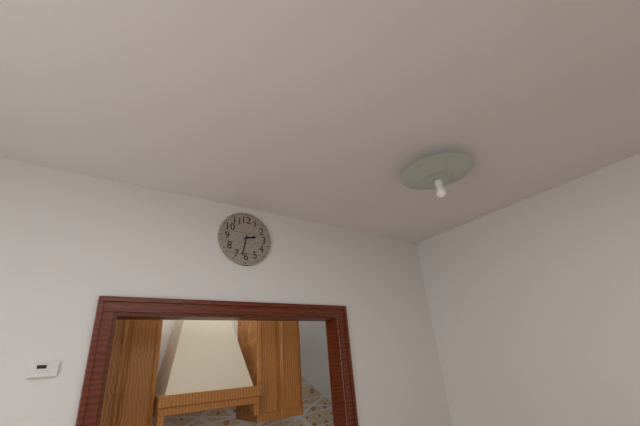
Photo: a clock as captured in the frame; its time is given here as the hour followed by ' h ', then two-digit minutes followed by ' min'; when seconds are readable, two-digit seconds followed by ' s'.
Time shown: 2 h 32 min
